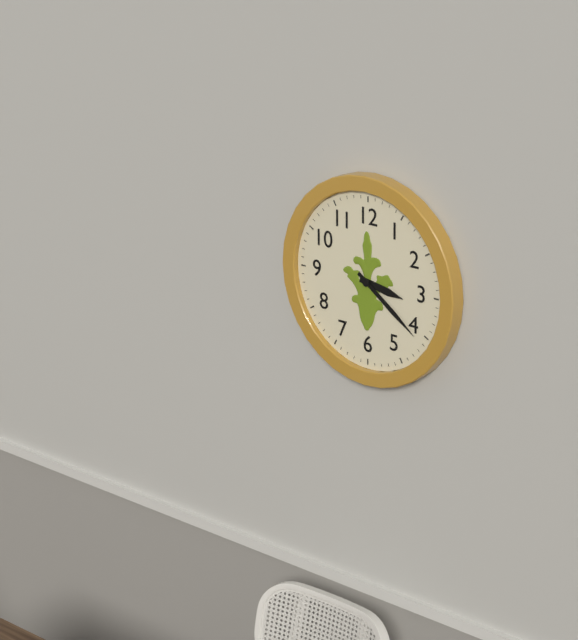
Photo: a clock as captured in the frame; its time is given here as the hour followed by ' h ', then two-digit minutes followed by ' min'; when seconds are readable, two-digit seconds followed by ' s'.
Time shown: 3 h 21 min
